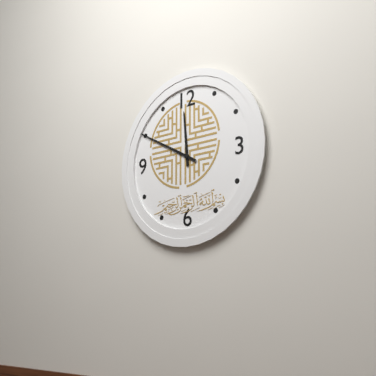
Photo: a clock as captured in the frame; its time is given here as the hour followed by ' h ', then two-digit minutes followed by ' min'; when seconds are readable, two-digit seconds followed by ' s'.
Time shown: 11 h 50 min
